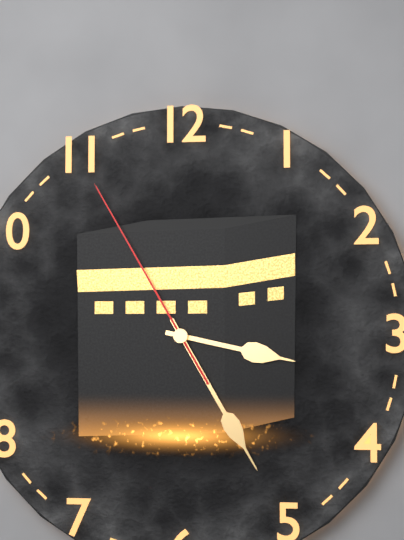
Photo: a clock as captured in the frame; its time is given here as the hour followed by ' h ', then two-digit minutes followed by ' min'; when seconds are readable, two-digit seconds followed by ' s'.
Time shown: 3 h 25 min 55 s
